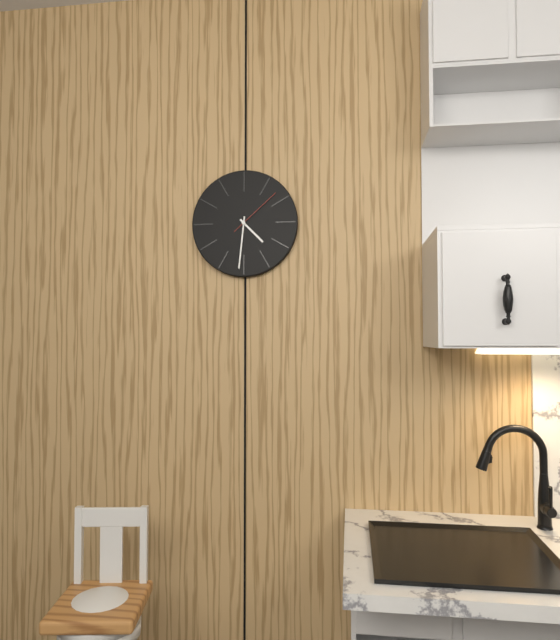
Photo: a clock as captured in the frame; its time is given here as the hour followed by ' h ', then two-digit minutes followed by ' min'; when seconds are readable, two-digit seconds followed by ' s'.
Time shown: 4 h 31 min 08 s
